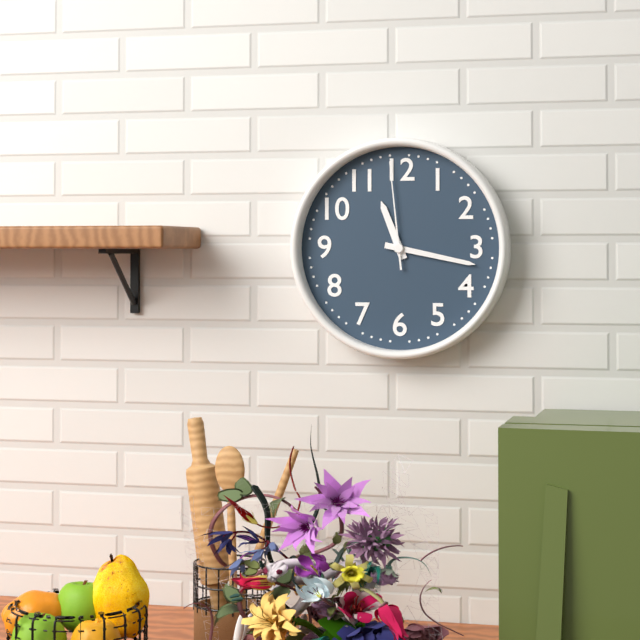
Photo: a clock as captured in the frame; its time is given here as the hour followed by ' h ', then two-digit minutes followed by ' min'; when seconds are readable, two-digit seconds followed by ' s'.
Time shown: 11 h 17 min 59 s
